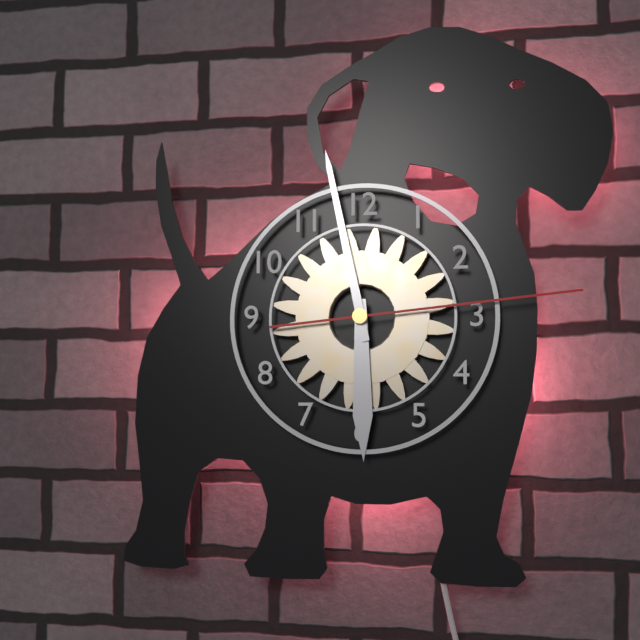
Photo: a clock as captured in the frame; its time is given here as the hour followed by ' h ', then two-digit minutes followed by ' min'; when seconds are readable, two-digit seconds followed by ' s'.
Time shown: 5 h 58 min 14 s
